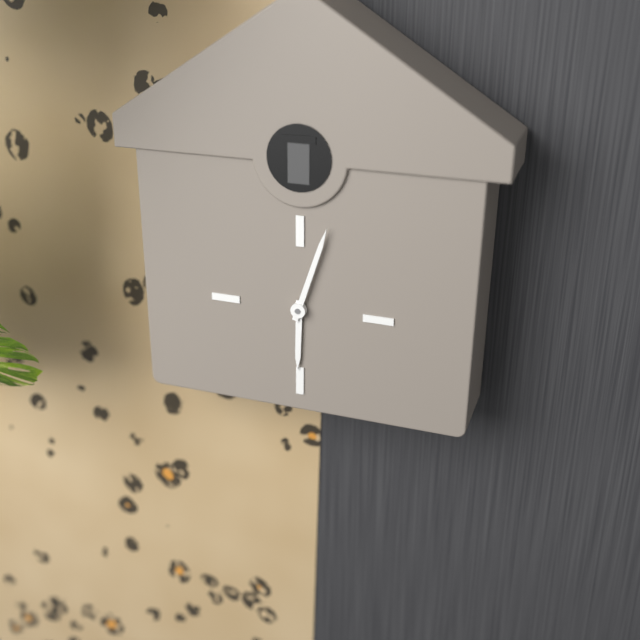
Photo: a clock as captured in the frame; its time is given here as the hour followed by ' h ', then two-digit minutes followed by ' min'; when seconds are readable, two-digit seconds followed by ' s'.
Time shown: 6 h 03 min
